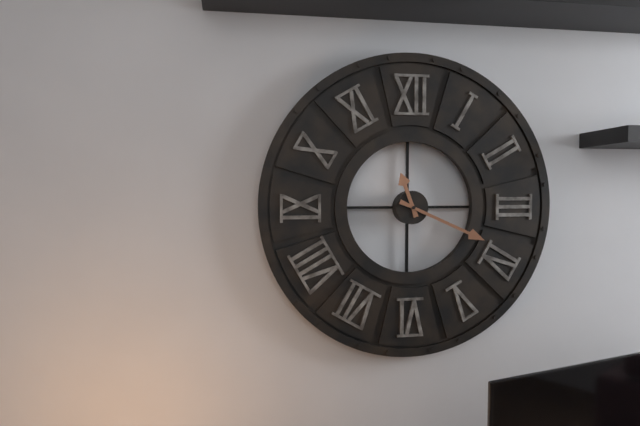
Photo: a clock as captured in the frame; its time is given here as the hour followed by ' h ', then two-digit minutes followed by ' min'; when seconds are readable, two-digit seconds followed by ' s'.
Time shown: 11 h 19 min
